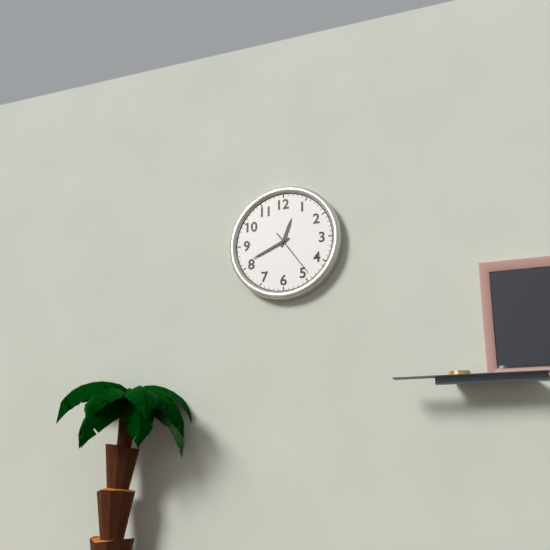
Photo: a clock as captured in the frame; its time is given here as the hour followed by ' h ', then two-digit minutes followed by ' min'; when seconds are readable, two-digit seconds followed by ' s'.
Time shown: 12 h 41 min
